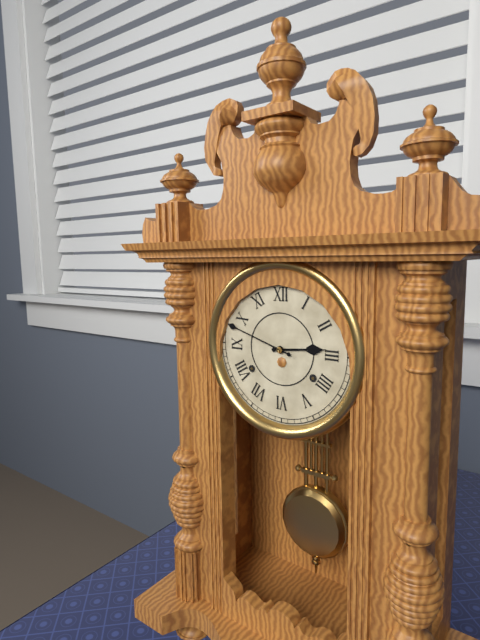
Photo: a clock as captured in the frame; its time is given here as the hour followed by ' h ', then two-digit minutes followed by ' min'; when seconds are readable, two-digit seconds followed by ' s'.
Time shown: 2 h 48 min
